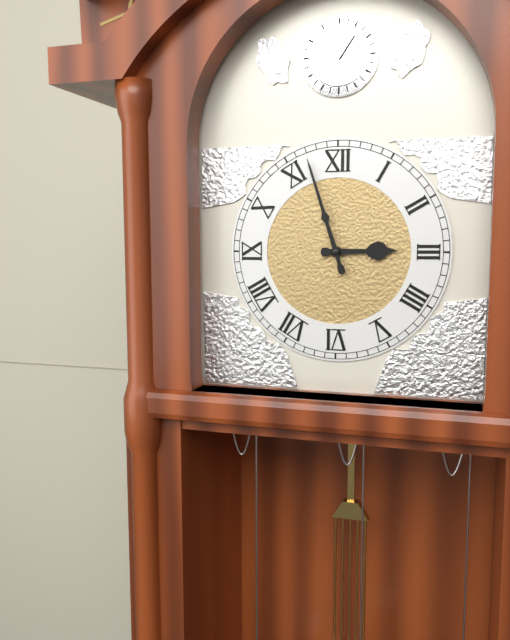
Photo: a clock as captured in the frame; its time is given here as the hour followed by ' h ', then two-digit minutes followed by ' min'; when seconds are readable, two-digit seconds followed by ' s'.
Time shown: 2 h 57 min
